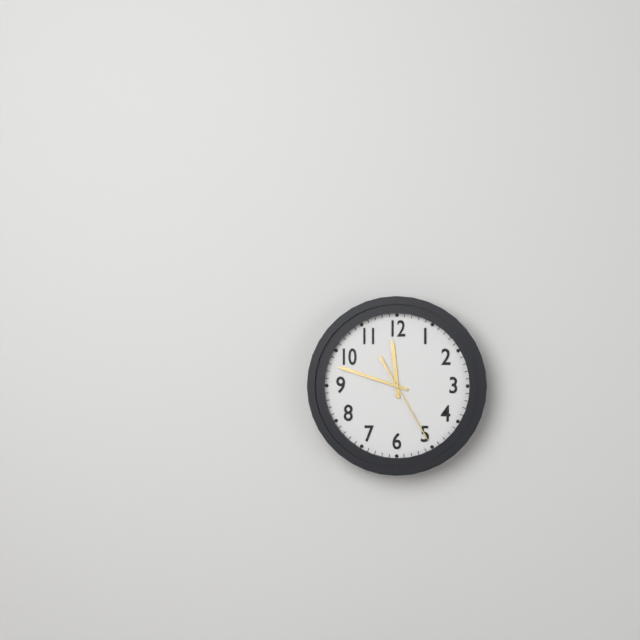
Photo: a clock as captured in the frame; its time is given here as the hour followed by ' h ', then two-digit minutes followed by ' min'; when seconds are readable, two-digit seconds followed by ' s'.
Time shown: 11 h 48 min 25 s
